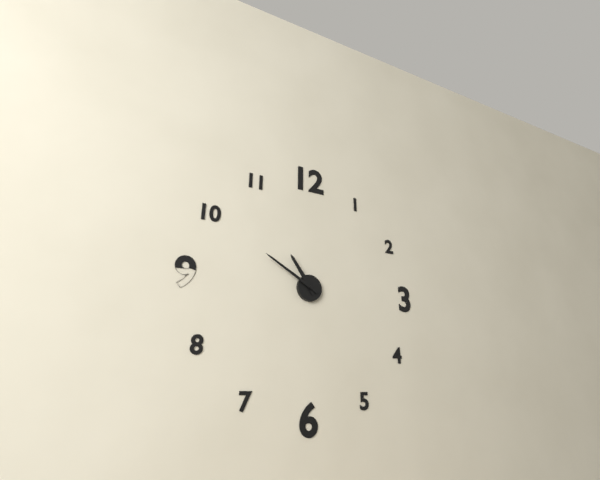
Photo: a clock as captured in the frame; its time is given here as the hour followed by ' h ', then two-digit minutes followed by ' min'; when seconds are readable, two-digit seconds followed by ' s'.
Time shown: 10 h 50 min
